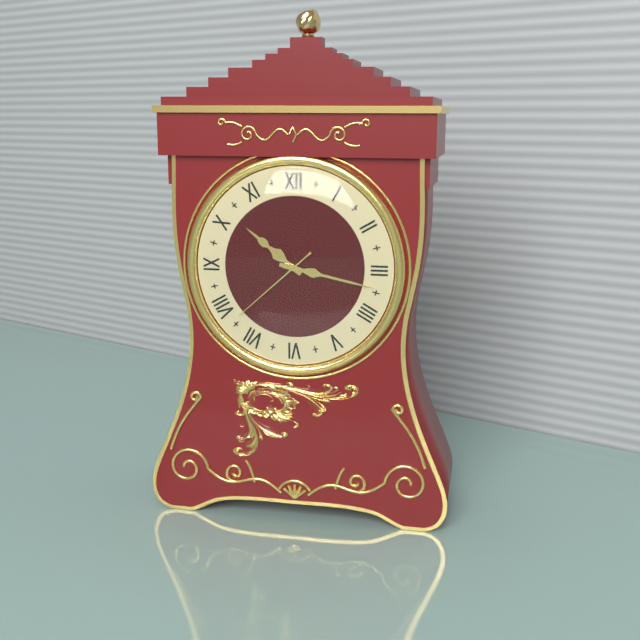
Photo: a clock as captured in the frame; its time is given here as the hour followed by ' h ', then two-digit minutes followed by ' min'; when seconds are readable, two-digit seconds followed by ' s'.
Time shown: 10 h 17 min 38 s
